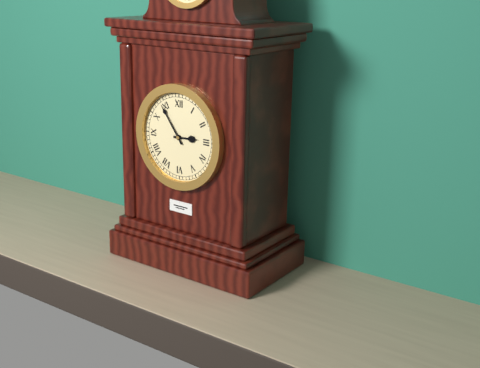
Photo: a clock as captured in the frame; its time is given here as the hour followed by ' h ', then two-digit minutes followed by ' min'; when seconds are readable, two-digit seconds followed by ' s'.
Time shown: 2 h 54 min
